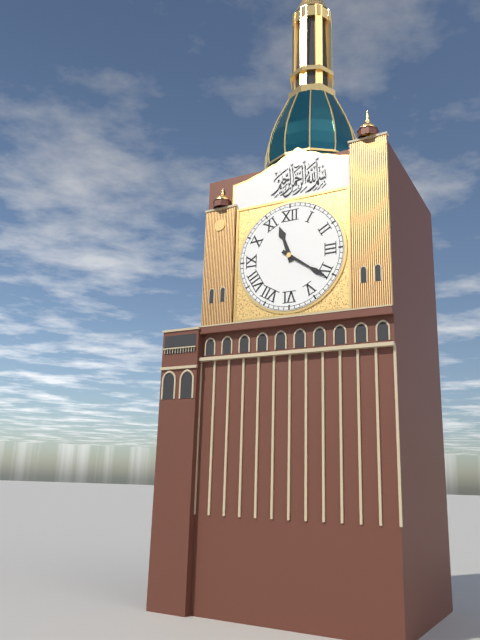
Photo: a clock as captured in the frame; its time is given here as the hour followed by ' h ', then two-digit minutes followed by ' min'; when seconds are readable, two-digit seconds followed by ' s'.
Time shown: 11 h 21 min
